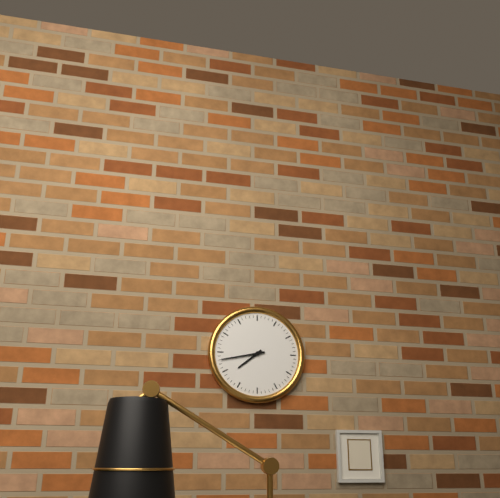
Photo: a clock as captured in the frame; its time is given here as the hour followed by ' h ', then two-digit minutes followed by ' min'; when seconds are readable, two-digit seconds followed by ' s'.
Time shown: 7 h 43 min
